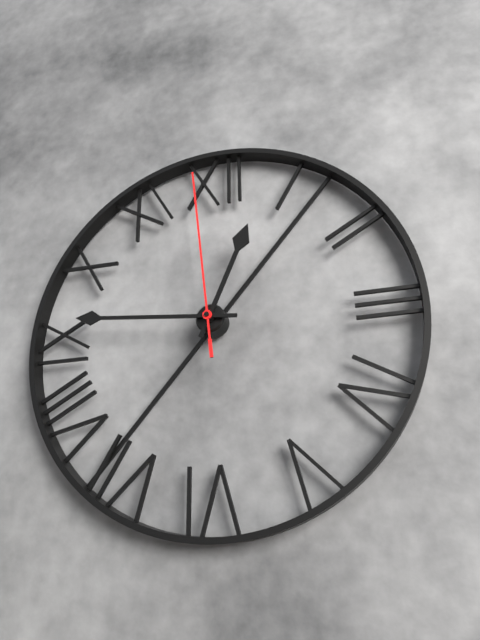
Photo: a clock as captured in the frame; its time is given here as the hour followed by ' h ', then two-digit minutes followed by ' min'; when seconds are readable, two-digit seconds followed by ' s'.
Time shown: 12 h 46 min 59 s
